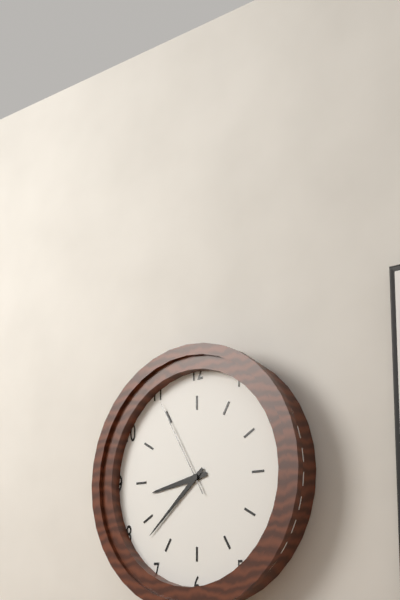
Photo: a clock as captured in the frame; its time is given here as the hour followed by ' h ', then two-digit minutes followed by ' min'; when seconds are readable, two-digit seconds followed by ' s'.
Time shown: 8 h 38 min 55 s
